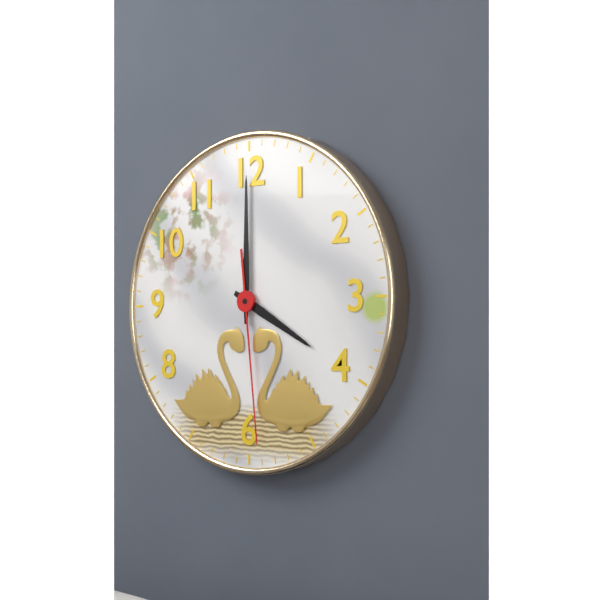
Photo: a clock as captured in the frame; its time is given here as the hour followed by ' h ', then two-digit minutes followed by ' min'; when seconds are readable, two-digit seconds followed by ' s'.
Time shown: 4 h 00 min 29 s
